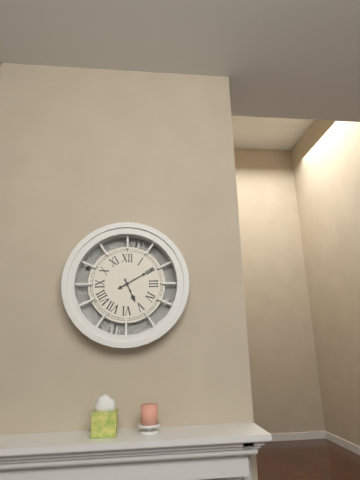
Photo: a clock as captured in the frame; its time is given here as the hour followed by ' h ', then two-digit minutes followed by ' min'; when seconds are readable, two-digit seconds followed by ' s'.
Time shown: 5 h 10 min
